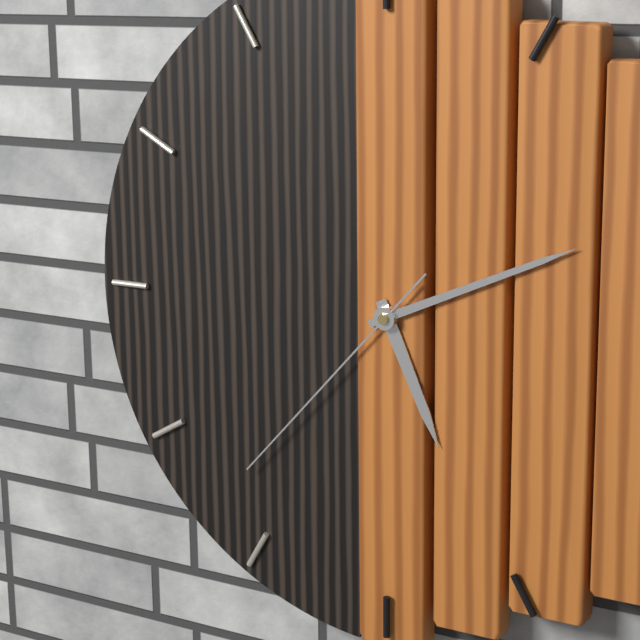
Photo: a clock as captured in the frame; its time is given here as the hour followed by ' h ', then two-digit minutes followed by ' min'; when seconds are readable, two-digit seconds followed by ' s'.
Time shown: 5 h 11 min 37 s
